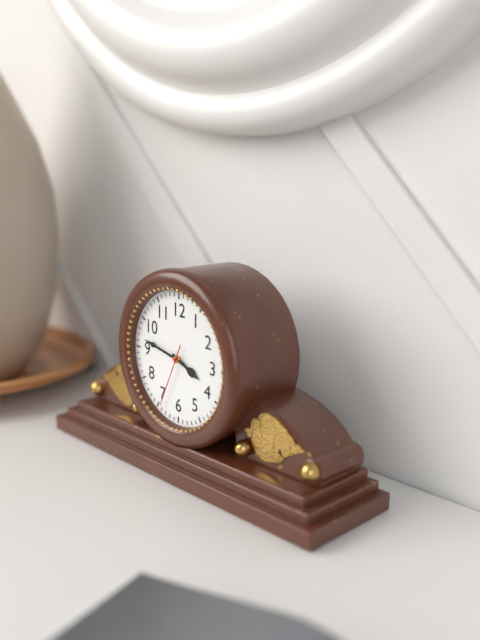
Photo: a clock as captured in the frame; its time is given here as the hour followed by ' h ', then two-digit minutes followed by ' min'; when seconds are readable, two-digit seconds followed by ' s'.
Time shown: 3 h 47 min 34 s
